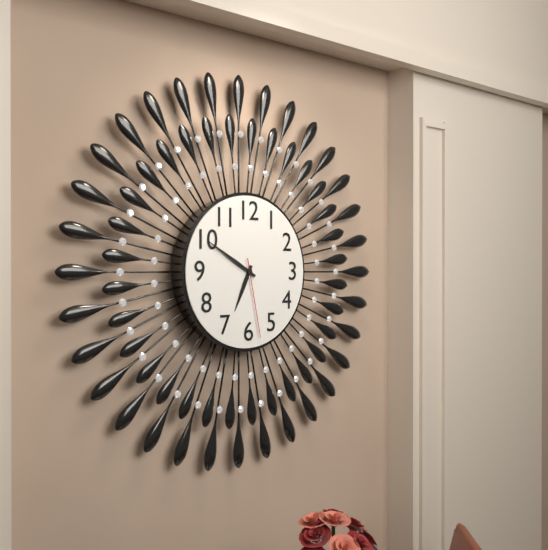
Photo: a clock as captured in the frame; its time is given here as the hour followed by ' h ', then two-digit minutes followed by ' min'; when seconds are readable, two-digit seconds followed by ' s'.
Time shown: 6 h 50 min 28 s
